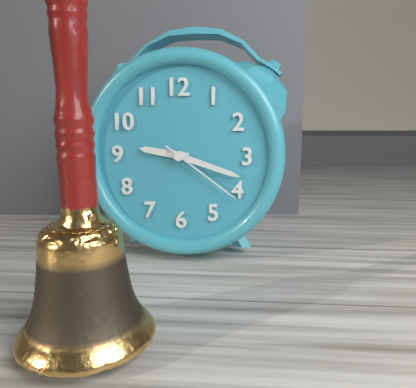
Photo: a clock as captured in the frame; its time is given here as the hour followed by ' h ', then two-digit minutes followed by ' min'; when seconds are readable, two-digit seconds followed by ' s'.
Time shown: 9 h 18 min 21 s
